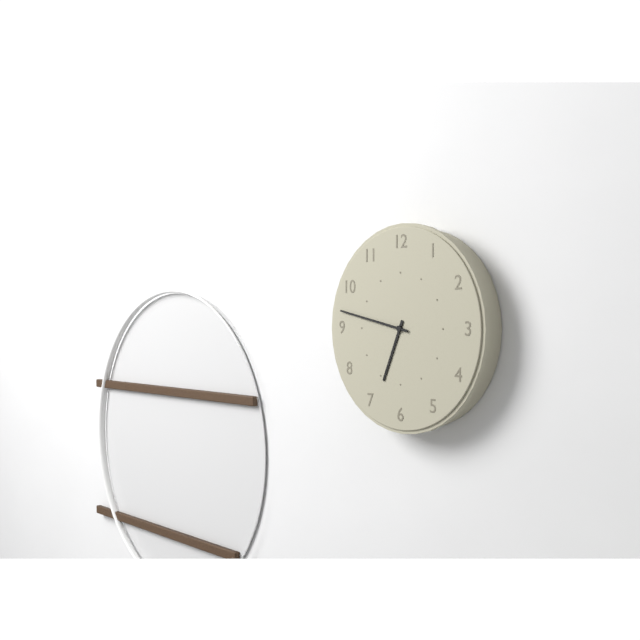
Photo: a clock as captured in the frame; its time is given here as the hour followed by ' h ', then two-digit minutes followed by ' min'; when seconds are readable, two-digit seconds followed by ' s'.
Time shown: 6 h 47 min
